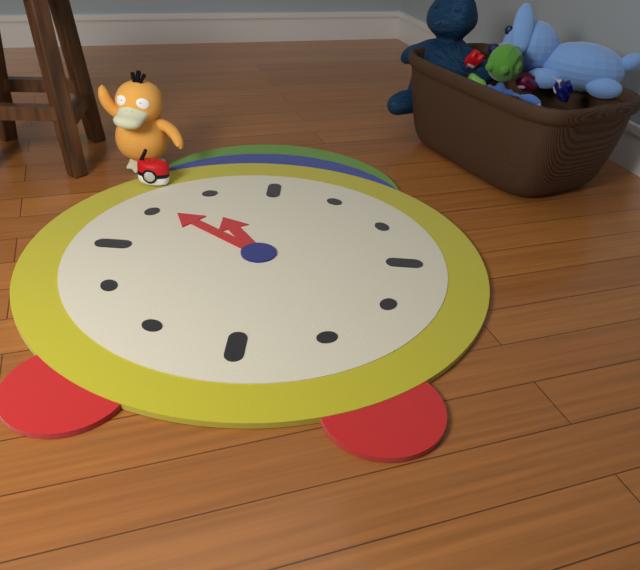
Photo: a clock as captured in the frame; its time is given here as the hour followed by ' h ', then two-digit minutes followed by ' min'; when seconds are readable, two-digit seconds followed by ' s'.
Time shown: 10 h 51 min
